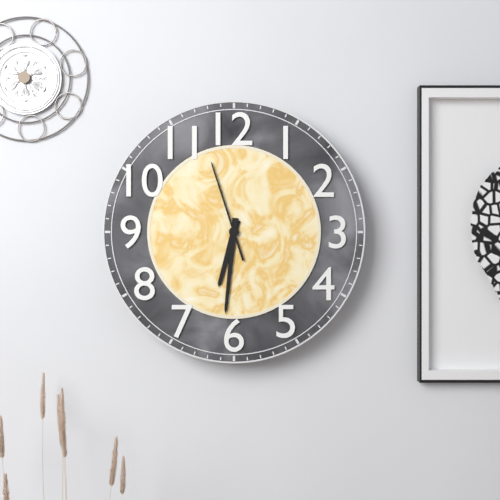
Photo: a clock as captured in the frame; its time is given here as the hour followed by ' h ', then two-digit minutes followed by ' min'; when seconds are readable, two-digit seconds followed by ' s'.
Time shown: 6 h 31 min 57 s
